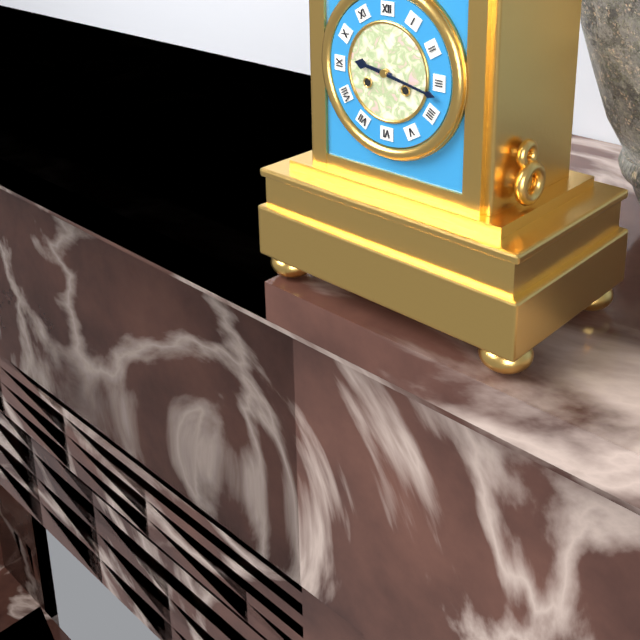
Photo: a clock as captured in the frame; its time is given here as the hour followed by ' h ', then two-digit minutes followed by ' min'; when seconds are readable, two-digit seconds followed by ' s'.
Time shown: 9 h 17 min
